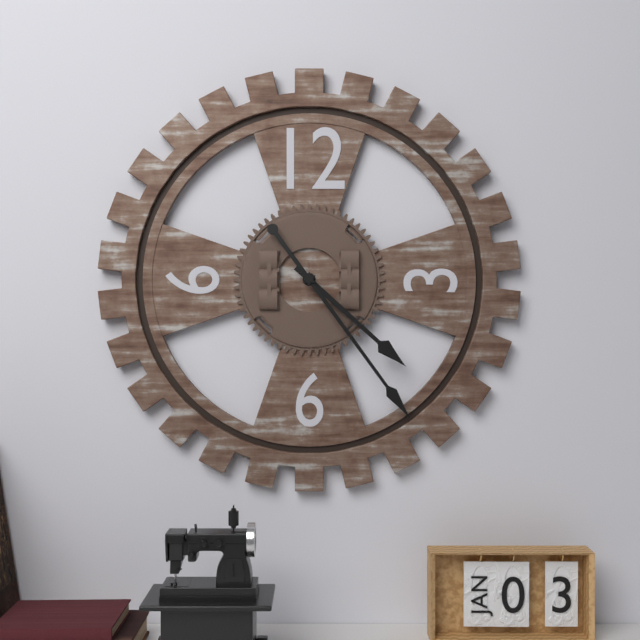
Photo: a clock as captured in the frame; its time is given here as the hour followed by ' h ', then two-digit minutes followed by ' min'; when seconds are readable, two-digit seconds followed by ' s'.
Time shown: 4 h 24 min
